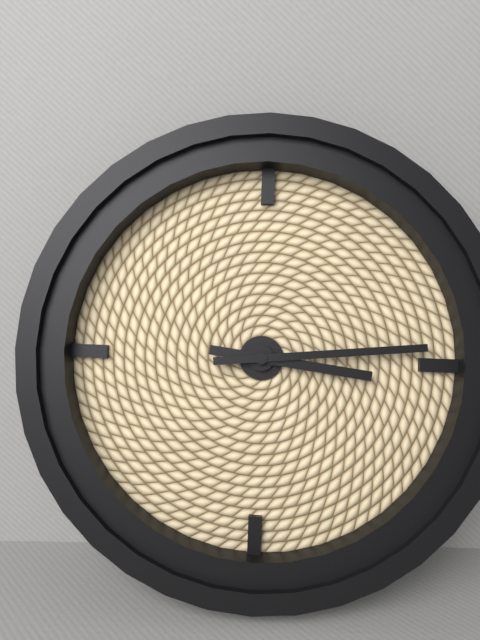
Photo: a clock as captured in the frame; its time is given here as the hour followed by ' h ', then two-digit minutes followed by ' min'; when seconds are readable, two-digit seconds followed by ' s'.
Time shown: 3 h 14 min
